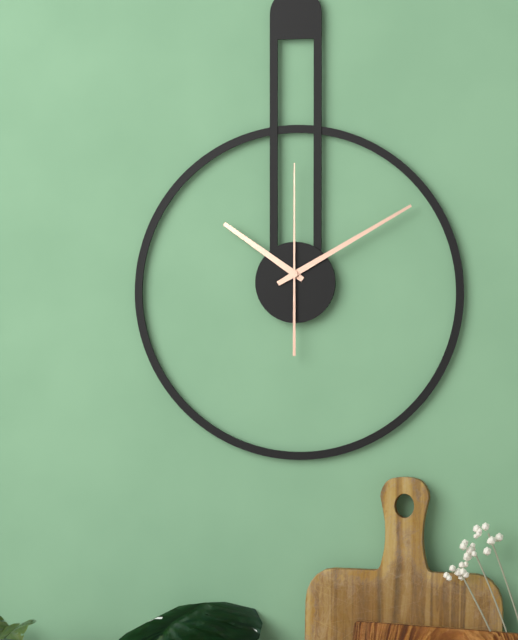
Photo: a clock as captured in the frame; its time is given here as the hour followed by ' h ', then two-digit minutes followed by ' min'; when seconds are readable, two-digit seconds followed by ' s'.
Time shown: 10 h 10 min 00 s
